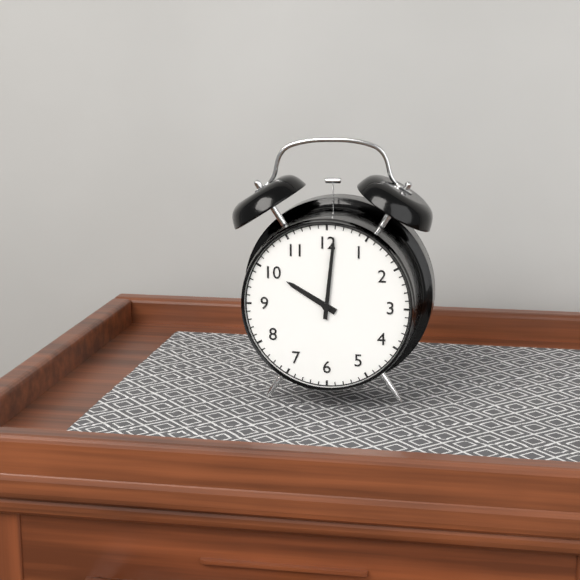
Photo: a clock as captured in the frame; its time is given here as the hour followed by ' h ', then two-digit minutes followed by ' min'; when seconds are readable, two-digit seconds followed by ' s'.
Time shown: 10 h 01 min
